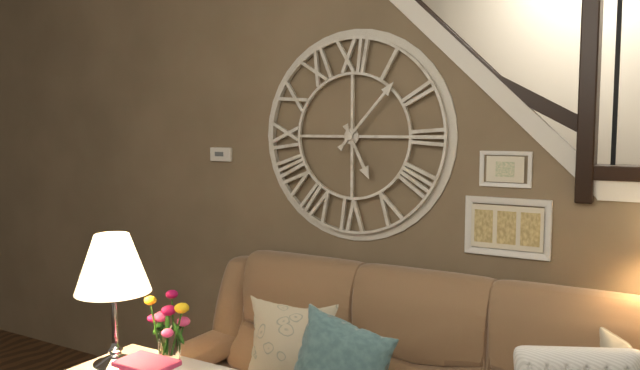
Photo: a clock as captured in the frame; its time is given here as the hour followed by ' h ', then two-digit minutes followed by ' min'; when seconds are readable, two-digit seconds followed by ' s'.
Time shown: 5 h 07 min
